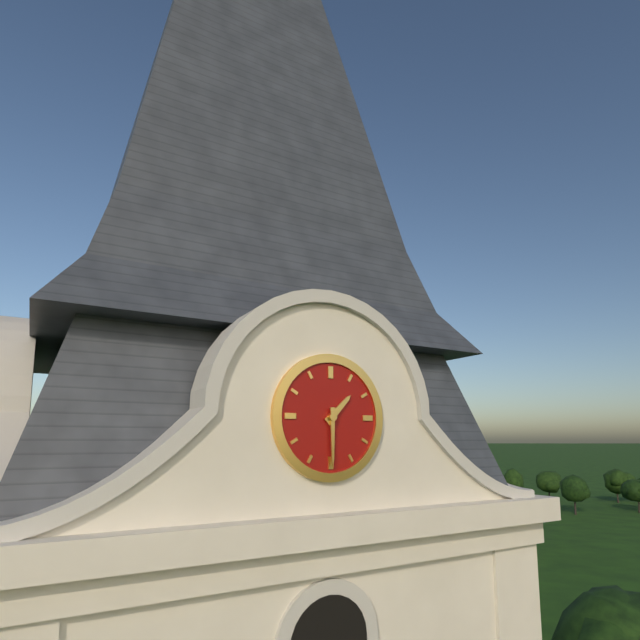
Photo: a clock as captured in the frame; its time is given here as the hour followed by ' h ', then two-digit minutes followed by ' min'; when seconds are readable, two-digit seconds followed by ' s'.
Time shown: 1 h 30 min
